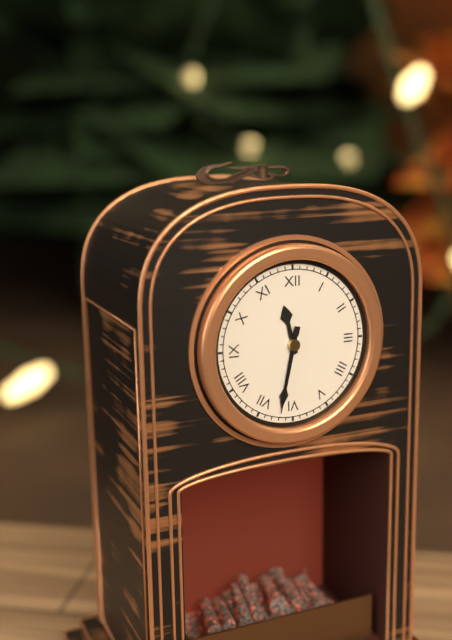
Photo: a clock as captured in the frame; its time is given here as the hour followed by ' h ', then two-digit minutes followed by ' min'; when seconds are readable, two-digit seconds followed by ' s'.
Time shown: 11 h 32 min 32 s
